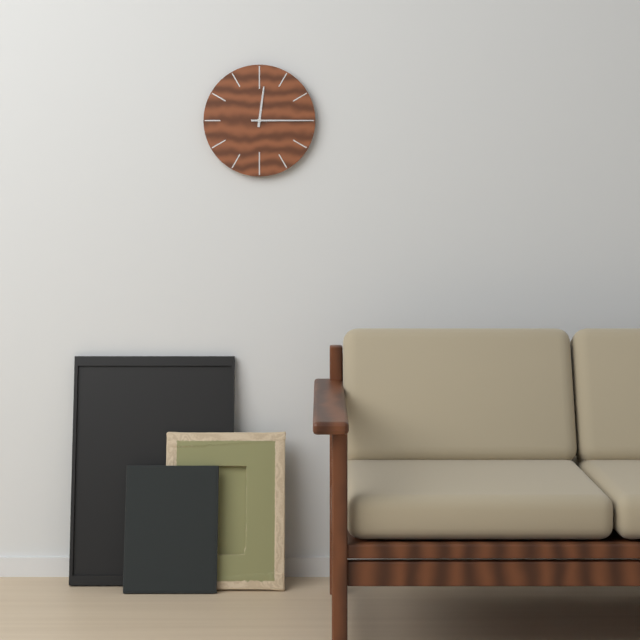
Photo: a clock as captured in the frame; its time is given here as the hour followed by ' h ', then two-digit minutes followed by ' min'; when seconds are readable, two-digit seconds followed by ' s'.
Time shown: 12 h 15 min
